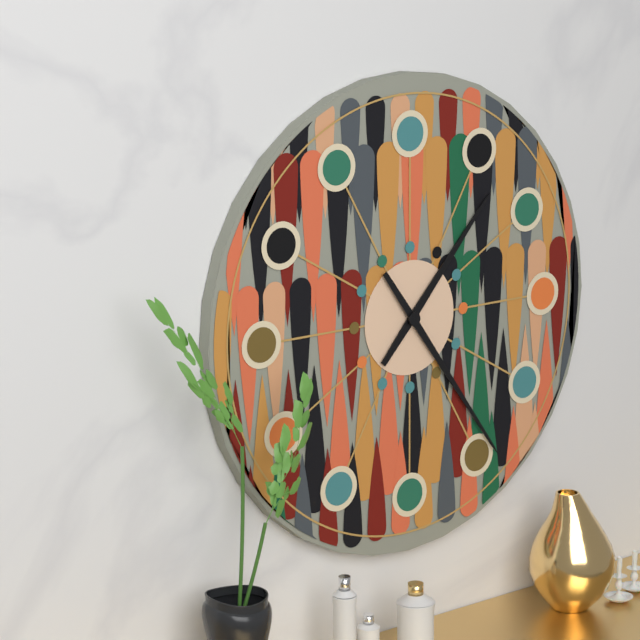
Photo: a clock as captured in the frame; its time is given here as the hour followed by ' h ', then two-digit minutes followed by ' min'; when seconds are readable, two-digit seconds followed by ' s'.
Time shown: 1 h 24 min
